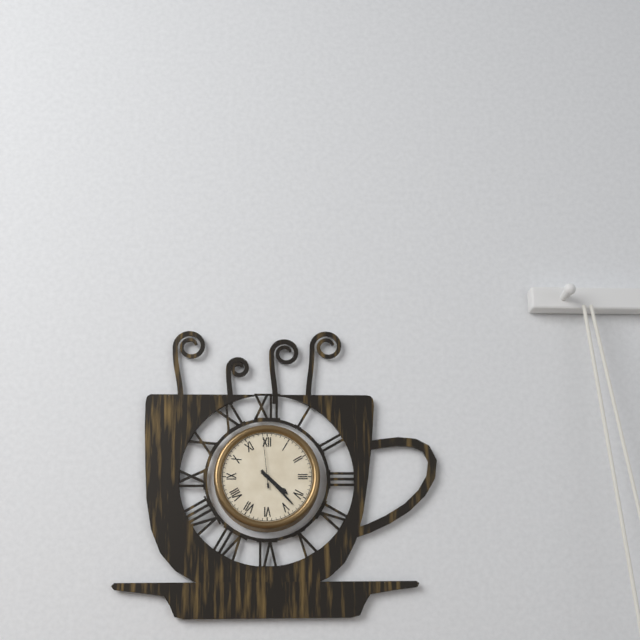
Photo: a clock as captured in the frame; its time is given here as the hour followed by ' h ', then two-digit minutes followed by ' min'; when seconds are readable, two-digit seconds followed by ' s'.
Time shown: 4 h 23 min 59 s
